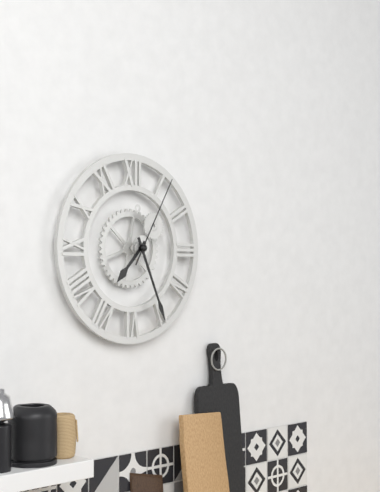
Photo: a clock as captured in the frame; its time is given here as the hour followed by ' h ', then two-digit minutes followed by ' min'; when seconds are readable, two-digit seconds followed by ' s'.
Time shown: 7 h 26 min 05 s
